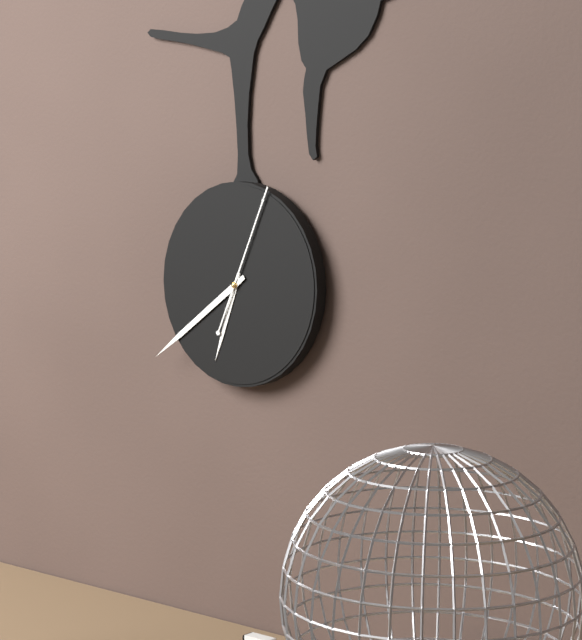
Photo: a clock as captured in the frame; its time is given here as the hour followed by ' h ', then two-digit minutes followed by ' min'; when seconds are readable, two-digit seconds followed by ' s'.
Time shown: 6 h 39 min 04 s
